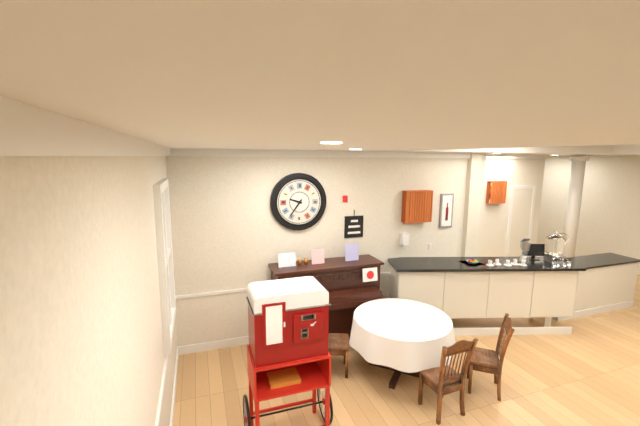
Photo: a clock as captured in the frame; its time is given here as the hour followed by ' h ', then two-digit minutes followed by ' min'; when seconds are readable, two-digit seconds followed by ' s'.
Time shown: 9 h 36 min
